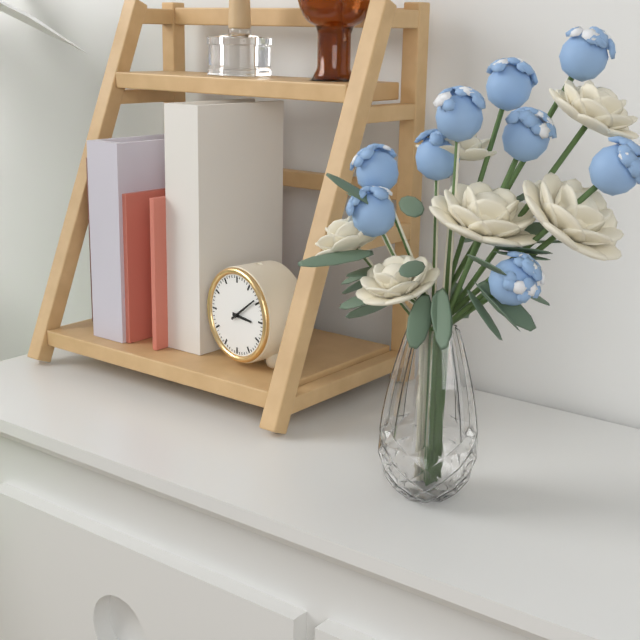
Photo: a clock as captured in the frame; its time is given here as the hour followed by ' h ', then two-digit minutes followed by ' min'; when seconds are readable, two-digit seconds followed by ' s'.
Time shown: 3 h 09 min
